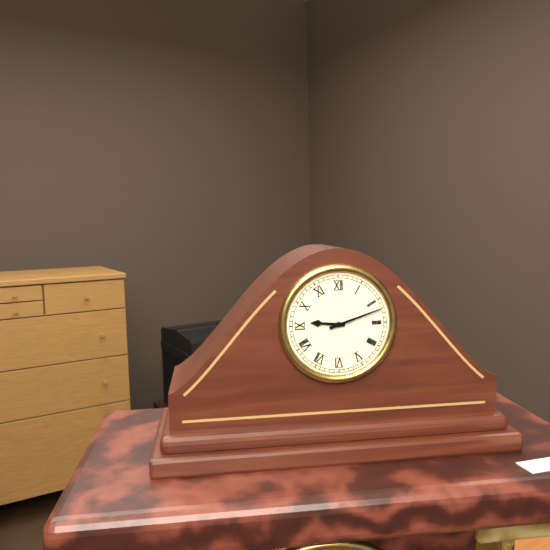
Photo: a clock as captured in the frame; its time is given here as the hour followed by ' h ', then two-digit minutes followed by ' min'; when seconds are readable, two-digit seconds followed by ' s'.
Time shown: 9 h 12 min
